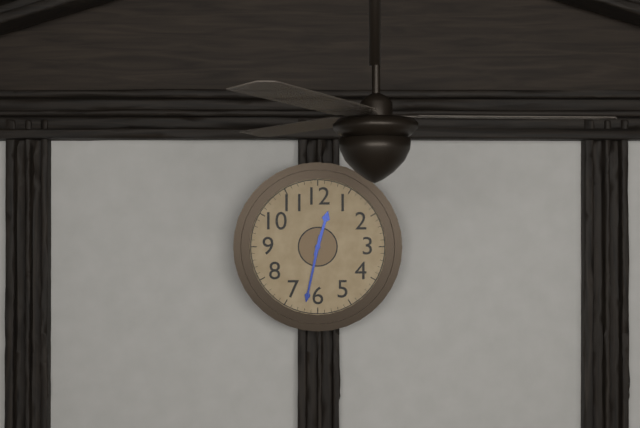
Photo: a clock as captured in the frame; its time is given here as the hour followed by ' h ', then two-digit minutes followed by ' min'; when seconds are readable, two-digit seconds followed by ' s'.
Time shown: 12 h 32 min
